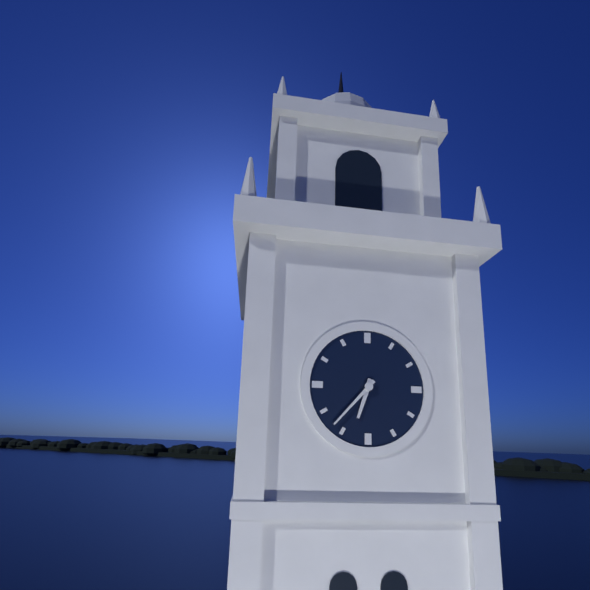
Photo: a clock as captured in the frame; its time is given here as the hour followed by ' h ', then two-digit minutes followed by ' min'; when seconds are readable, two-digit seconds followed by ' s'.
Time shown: 6 h 37 min
